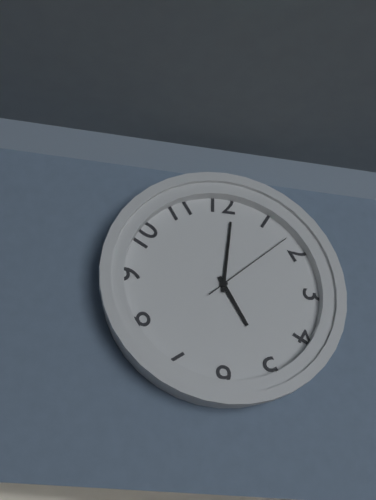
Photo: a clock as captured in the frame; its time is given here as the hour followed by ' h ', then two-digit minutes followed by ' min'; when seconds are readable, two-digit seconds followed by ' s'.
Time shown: 5 h 01 min 08 s
